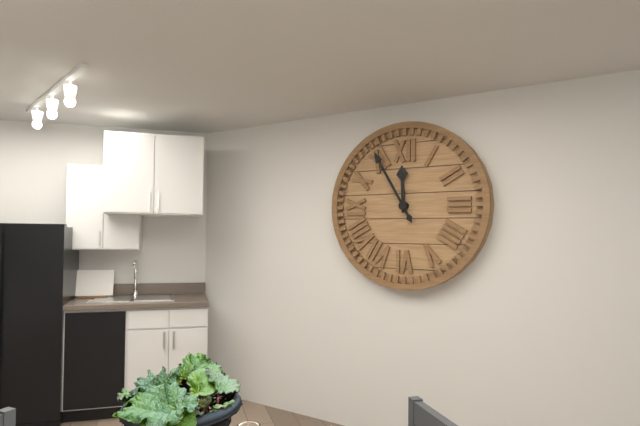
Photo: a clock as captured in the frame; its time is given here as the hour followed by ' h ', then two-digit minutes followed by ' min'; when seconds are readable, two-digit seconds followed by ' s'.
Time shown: 11 h 55 min
